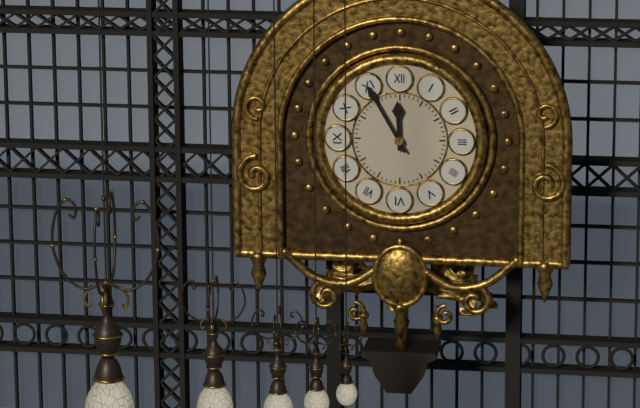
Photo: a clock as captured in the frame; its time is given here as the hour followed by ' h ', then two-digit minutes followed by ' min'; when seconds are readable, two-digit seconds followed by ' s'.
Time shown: 11 h 55 min
